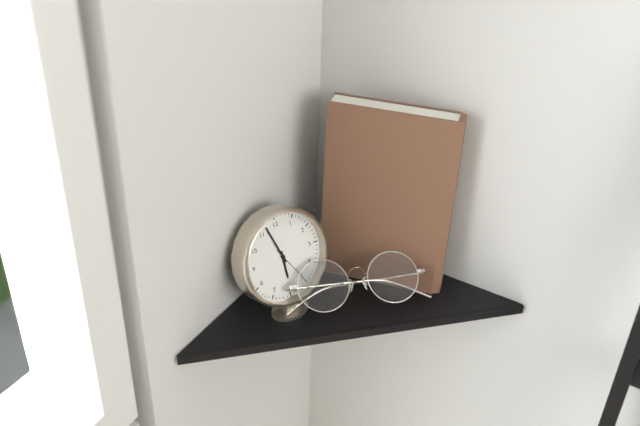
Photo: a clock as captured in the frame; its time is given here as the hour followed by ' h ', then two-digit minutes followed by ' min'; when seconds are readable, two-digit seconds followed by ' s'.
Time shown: 5 h 57 min
